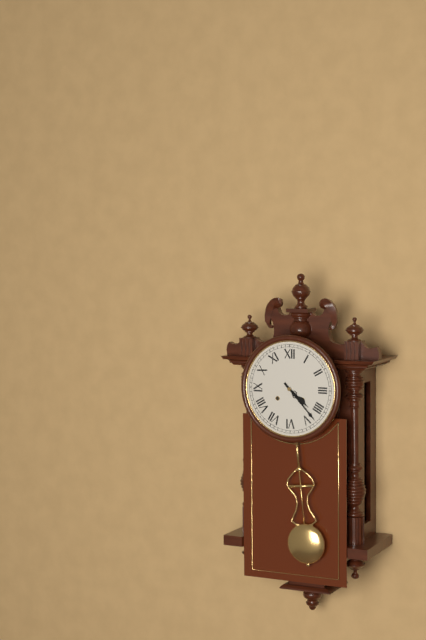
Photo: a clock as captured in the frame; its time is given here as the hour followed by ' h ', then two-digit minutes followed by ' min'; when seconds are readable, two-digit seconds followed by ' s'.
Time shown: 4 h 23 min
